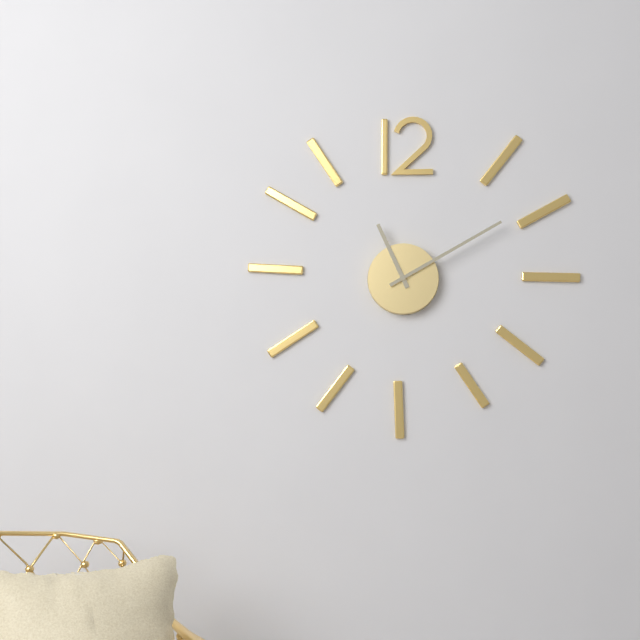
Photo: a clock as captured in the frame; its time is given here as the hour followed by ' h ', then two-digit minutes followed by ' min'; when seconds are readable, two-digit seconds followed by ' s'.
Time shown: 11 h 10 min
